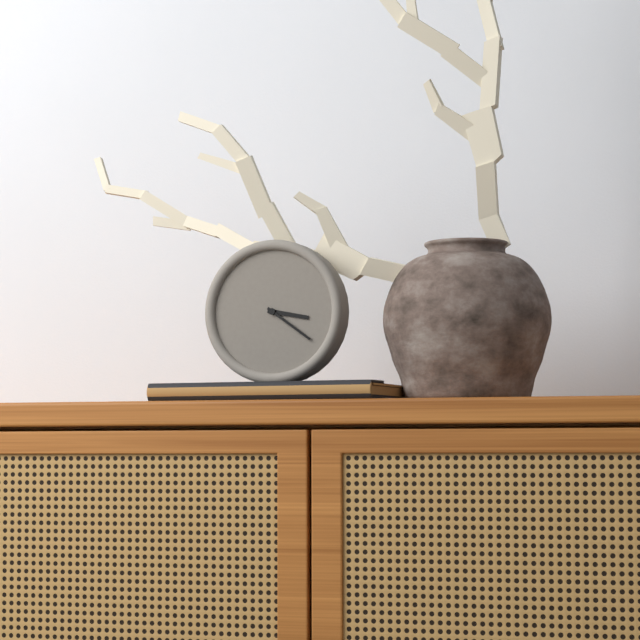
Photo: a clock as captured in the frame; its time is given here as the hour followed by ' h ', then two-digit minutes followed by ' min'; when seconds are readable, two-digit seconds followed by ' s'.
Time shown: 3 h 21 min
